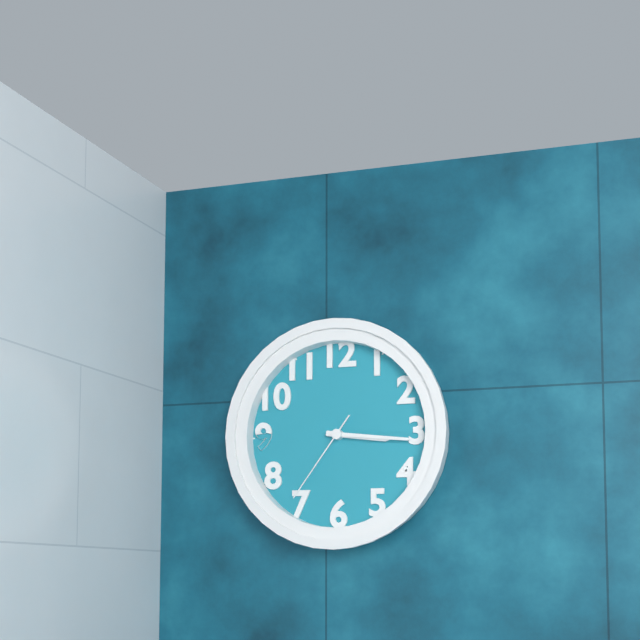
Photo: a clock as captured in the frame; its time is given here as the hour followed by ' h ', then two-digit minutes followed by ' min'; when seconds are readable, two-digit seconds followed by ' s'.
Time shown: 3 h 16 min 36 s
